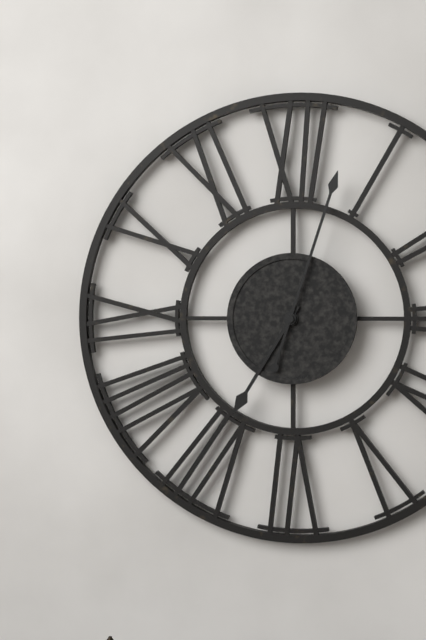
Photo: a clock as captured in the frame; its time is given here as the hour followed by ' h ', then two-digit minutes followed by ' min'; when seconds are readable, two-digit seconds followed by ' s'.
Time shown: 7 h 03 min
